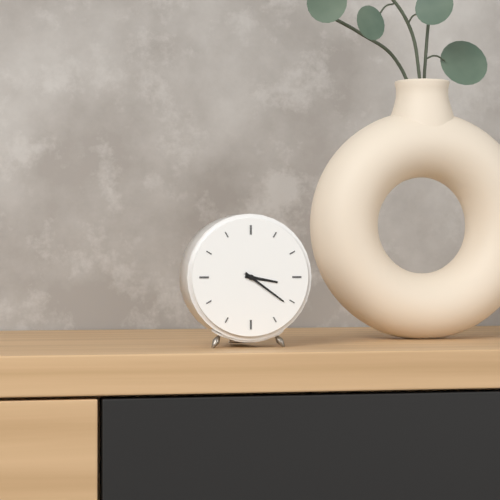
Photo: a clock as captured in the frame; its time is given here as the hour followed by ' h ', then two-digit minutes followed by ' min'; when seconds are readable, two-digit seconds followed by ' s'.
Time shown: 3 h 21 min
